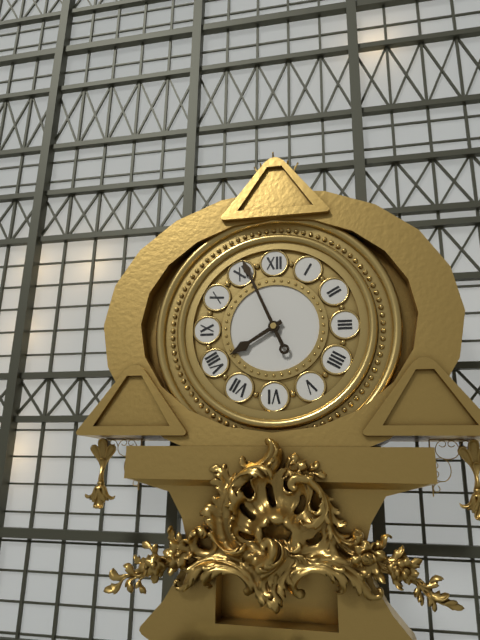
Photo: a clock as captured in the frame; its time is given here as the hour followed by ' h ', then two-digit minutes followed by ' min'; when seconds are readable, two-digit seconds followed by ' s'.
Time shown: 7 h 56 min
